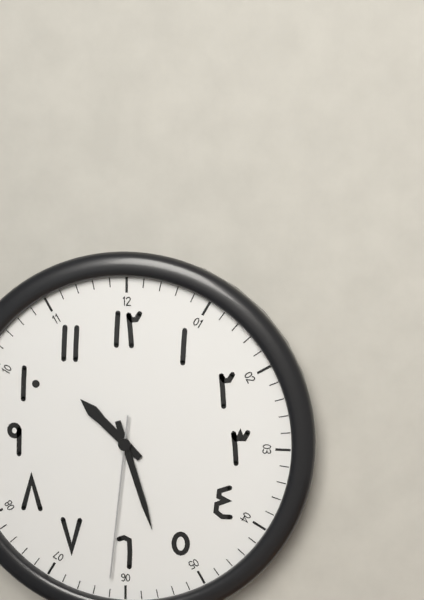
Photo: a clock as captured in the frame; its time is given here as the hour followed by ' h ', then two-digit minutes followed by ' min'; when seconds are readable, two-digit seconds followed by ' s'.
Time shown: 10 h 27 min 31 s
